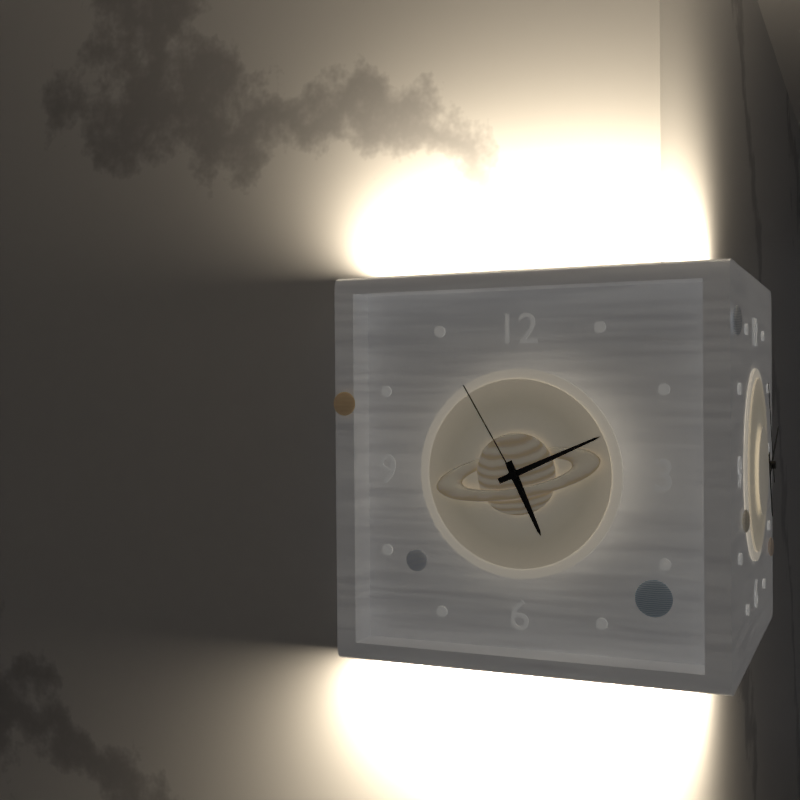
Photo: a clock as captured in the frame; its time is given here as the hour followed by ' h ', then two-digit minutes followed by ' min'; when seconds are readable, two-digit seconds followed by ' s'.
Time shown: 5 h 11 min 55 s
